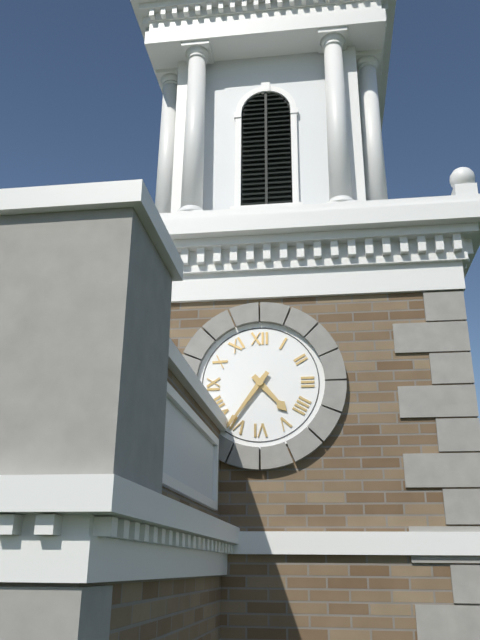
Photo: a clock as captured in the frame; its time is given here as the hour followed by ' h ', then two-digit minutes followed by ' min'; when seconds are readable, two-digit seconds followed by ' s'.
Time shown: 4 h 36 min
